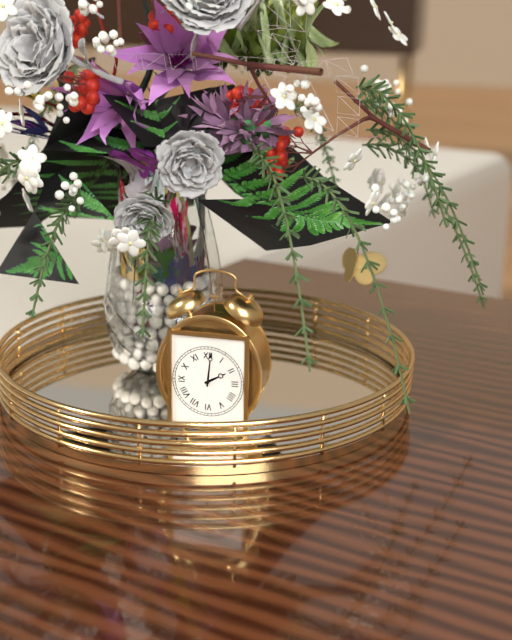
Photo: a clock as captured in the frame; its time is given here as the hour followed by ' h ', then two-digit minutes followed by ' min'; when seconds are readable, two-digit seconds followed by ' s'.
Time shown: 2 h 01 min
